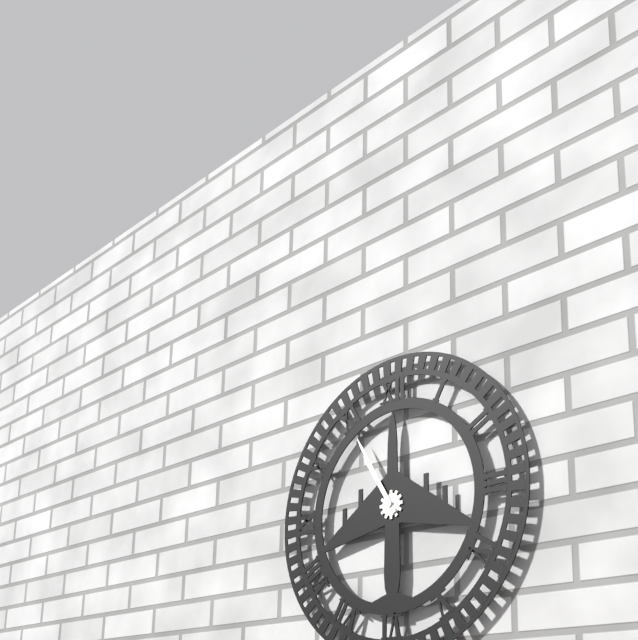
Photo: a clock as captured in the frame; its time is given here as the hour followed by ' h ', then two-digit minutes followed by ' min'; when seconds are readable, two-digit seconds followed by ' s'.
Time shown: 10 h 55 min
